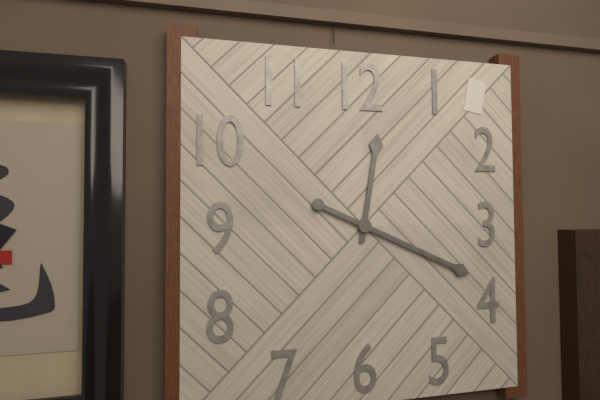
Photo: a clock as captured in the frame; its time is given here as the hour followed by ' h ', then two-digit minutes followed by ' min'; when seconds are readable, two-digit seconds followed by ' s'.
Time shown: 12 h 19 min
